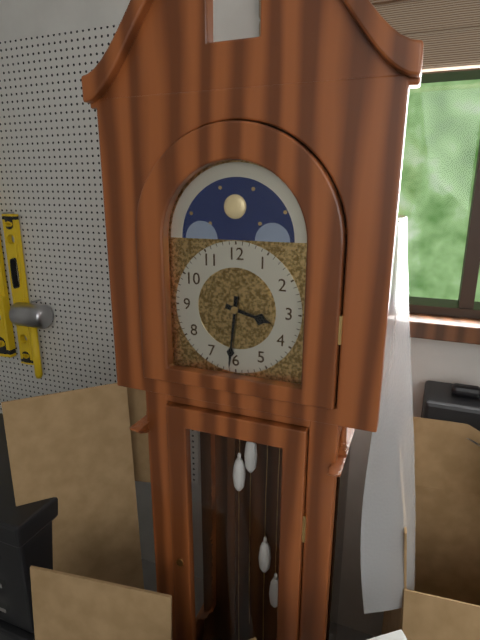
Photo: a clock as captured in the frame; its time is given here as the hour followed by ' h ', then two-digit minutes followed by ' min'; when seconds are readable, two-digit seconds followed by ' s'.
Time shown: 3 h 31 min
